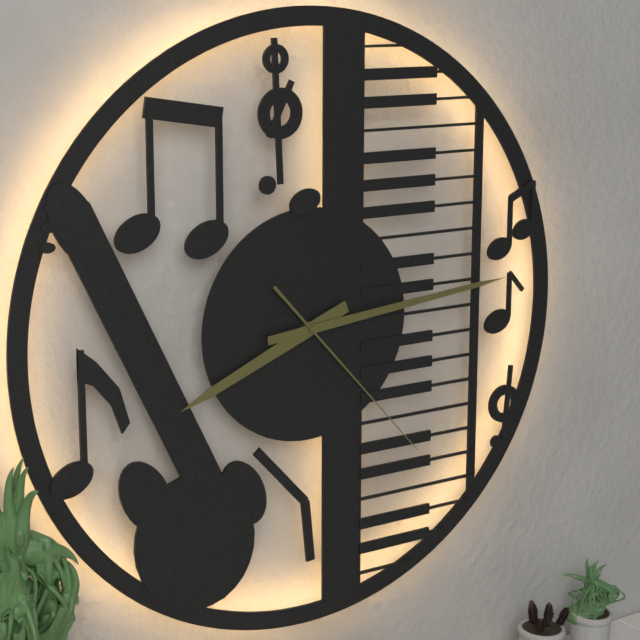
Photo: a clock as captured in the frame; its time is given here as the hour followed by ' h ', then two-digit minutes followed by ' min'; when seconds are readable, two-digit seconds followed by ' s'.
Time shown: 8 h 14 min 23 s
